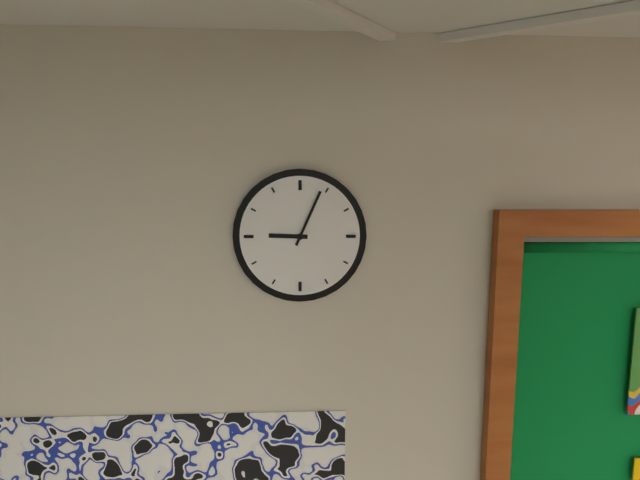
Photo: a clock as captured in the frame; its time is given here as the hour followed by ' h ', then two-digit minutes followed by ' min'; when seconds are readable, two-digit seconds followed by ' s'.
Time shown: 9 h 04 min
